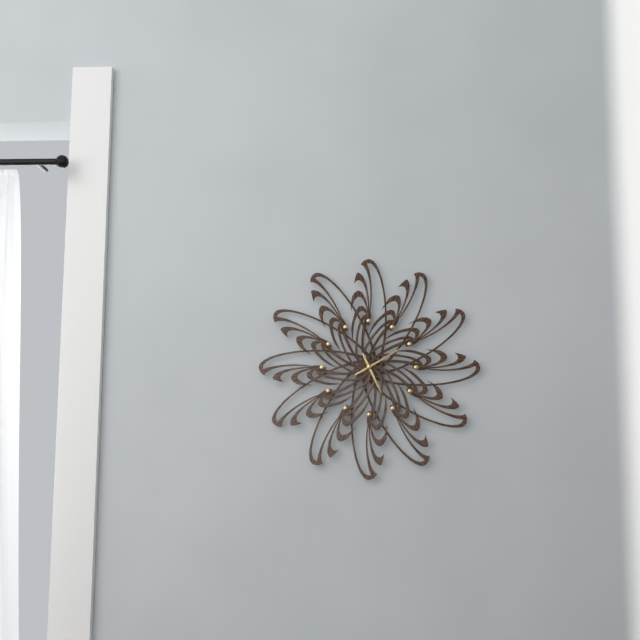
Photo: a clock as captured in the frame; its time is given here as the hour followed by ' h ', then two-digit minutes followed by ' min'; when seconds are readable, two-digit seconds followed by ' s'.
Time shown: 5 h 10 min
